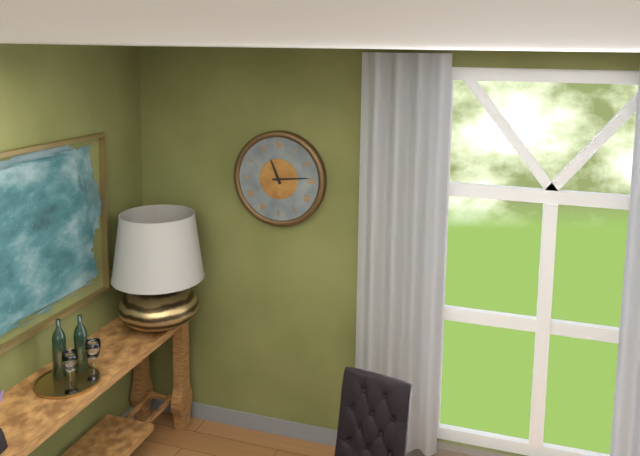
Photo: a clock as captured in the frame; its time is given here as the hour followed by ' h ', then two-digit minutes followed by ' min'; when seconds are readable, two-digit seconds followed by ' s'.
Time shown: 11 h 14 min
